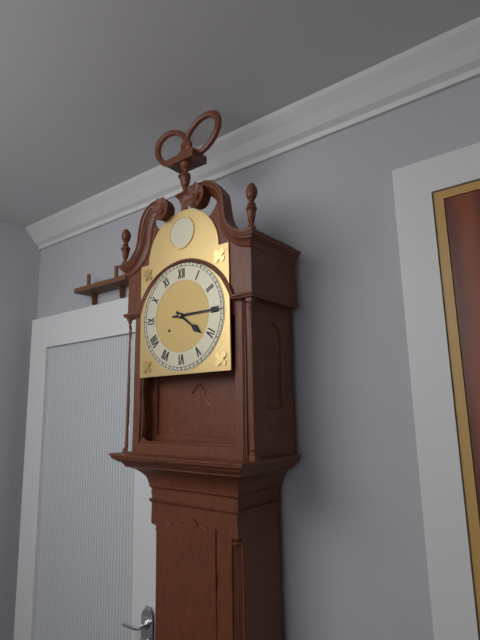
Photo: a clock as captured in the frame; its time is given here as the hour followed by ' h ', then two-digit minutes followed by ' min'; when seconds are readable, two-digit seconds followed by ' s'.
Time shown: 4 h 15 min
